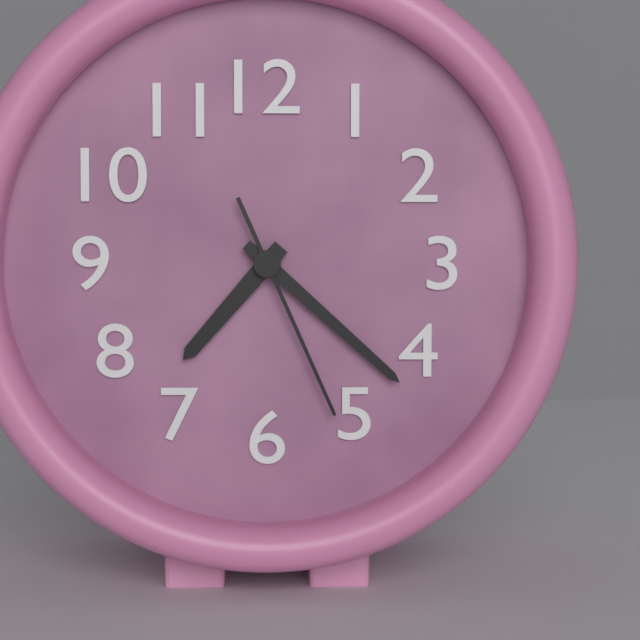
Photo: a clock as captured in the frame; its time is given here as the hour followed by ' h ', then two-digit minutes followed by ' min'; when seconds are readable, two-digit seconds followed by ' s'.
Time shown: 7 h 22 min 26 s
